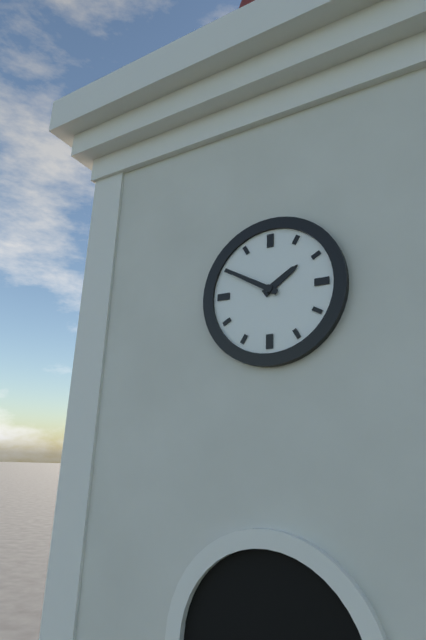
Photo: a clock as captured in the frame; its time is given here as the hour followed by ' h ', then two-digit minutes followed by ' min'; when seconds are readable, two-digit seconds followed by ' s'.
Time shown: 1 h 50 min
